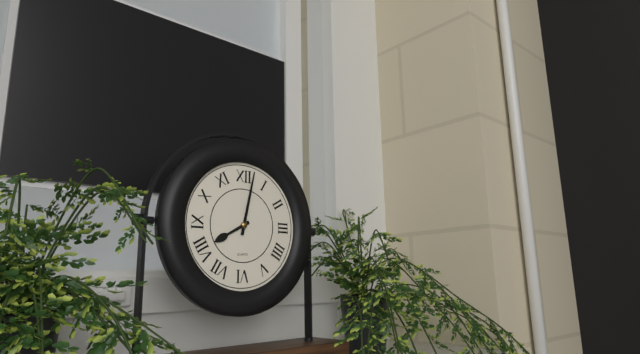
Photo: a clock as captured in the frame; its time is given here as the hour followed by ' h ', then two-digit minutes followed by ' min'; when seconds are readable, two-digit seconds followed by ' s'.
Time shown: 8 h 02 min
